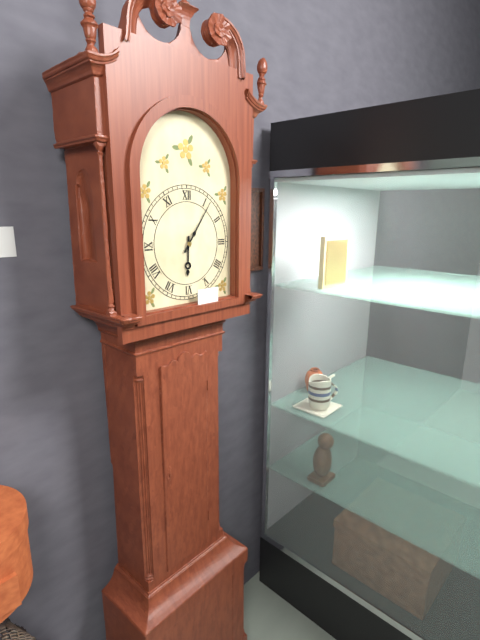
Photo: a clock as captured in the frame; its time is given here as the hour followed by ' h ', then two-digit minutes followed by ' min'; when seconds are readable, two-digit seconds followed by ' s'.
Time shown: 6 h 06 min
